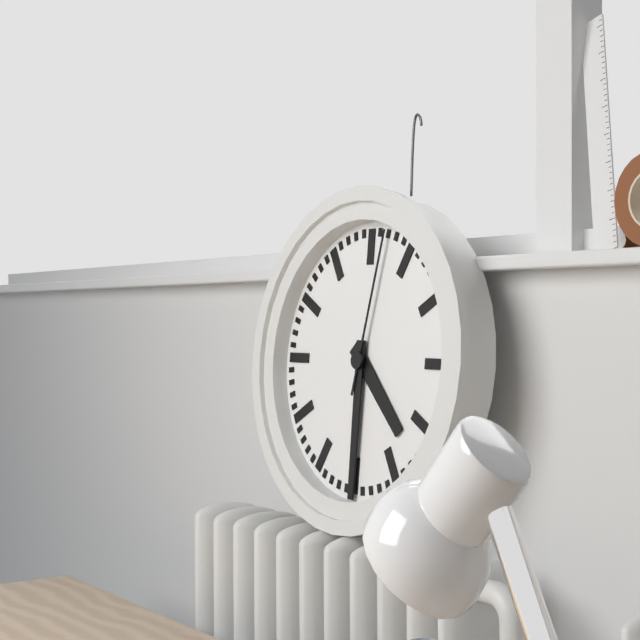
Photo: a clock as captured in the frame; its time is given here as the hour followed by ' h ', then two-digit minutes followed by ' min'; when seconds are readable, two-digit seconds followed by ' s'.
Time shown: 4 h 30 min 02 s
